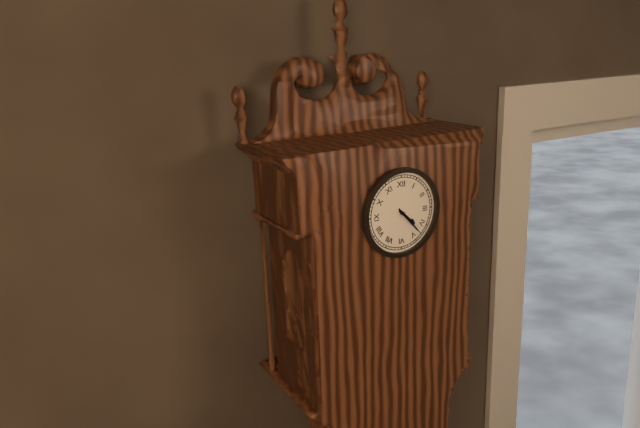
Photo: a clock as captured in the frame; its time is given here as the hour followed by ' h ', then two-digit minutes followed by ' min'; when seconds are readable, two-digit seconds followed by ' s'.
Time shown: 4 h 23 min
